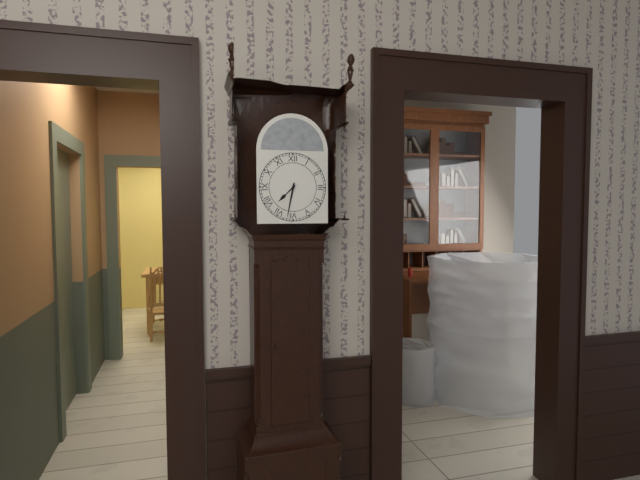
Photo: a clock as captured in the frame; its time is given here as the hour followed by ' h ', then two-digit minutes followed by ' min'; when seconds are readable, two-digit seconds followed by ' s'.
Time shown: 7 h 32 min
